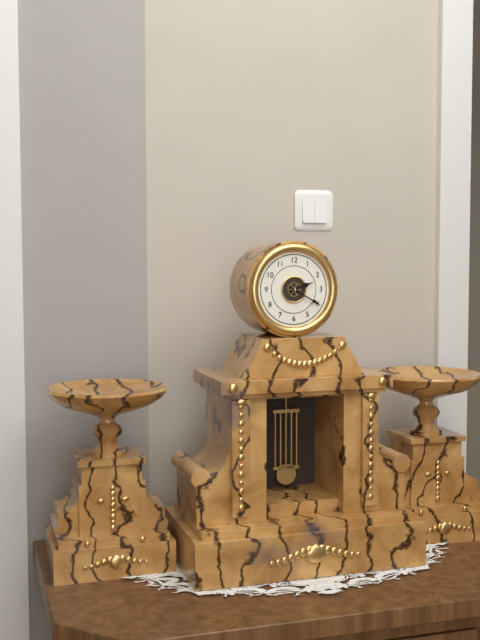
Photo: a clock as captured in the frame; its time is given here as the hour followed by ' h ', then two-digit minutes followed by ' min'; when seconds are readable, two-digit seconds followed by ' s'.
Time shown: 2 h 20 min
